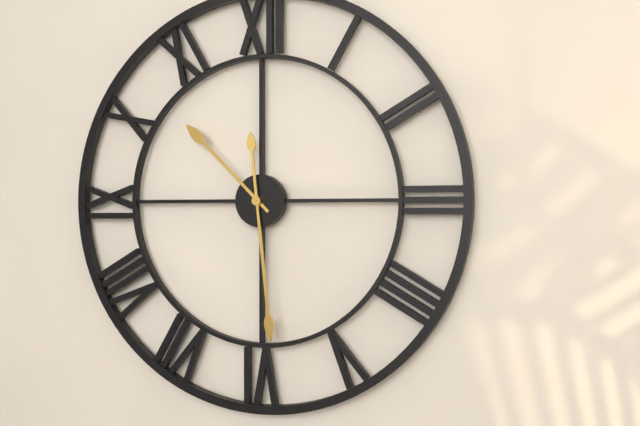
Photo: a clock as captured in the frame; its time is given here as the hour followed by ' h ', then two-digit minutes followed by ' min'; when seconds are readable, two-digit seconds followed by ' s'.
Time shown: 10 h 29 min
